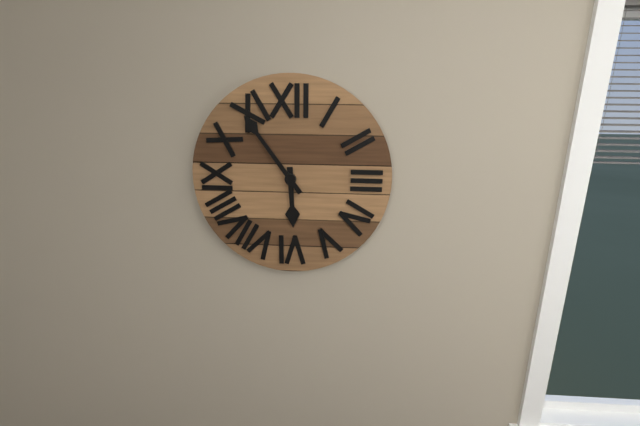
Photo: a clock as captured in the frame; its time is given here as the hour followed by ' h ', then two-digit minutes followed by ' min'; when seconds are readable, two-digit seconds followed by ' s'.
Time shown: 5 h 54 min
